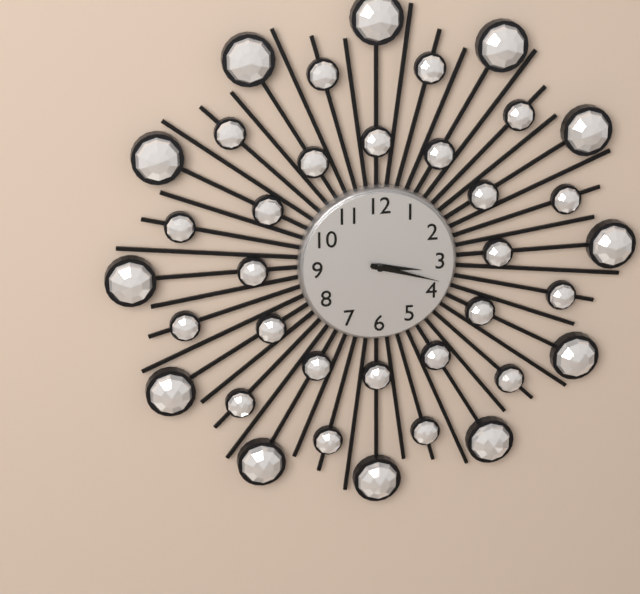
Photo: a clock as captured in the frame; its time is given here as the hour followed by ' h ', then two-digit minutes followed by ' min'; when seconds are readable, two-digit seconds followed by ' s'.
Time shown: 3 h 18 min
